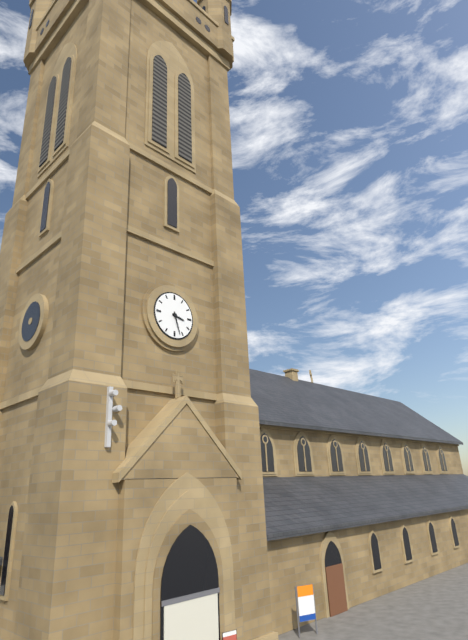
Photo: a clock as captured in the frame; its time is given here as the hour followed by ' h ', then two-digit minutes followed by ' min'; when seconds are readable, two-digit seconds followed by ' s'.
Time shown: 3 h 27 min
